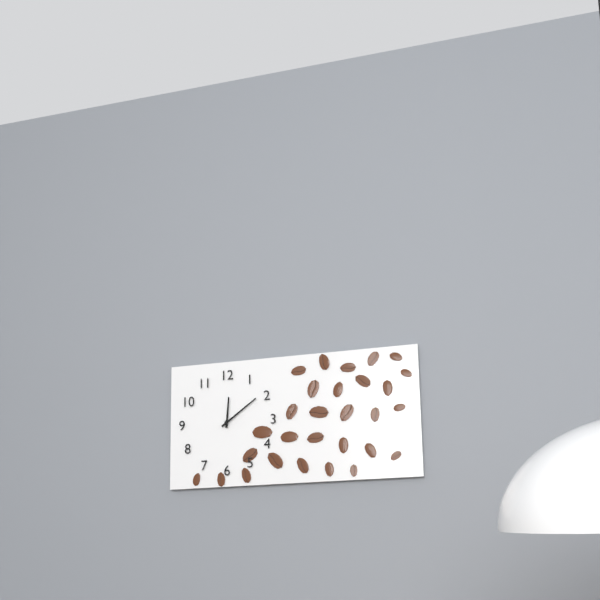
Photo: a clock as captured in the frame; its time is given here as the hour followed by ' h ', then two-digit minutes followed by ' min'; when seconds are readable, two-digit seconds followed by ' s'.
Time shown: 12 h 09 min
